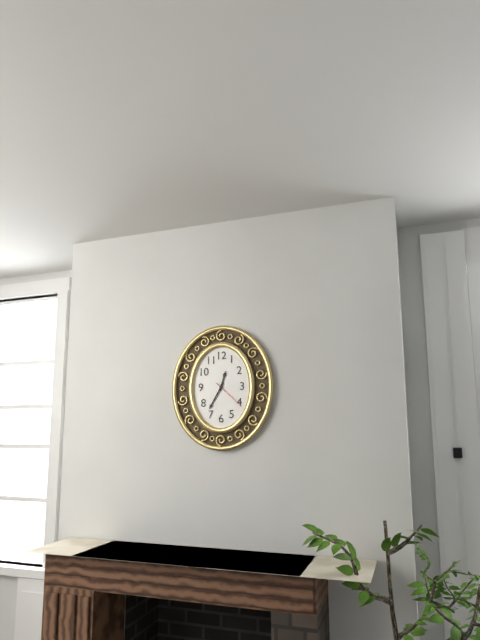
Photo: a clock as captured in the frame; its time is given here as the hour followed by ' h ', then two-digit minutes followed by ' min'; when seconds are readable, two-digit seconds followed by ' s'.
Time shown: 12 h 35 min
